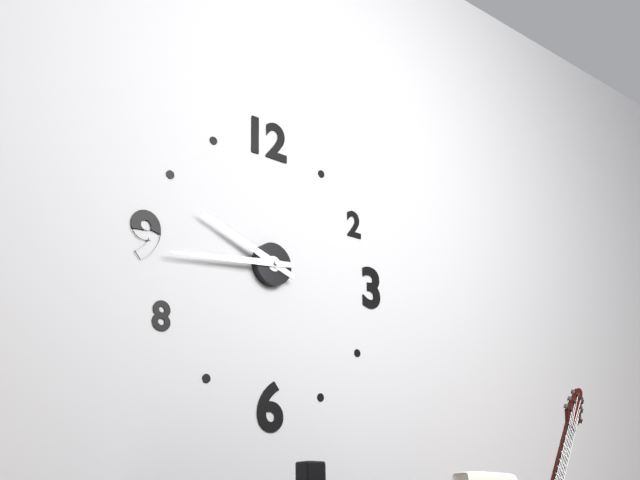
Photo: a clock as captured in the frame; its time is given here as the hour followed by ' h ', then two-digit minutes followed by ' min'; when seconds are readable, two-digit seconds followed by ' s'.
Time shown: 9 h 44 min
